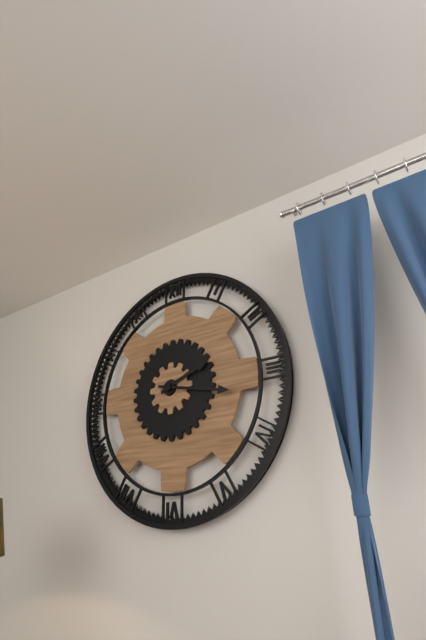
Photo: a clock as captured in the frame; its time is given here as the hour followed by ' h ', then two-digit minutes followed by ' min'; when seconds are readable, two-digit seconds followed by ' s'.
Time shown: 2 h 17 min
